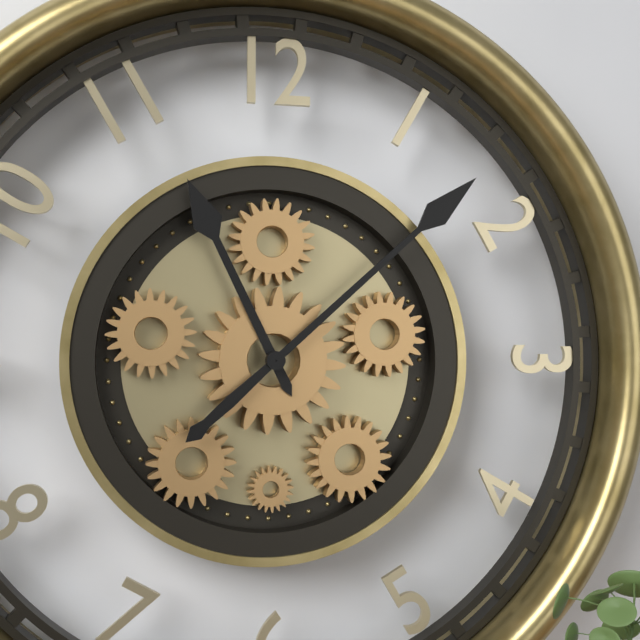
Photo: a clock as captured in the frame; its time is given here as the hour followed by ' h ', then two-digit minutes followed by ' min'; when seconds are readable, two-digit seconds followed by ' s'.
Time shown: 11 h 08 min
